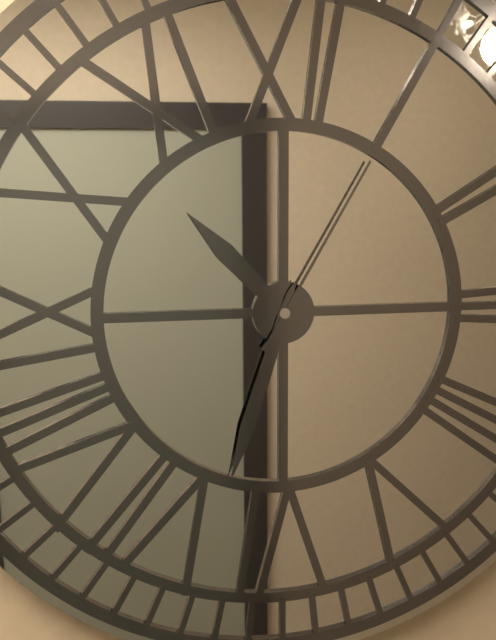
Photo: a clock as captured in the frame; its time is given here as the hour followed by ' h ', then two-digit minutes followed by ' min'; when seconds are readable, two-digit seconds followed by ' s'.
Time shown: 10 h 33 min 05 s
